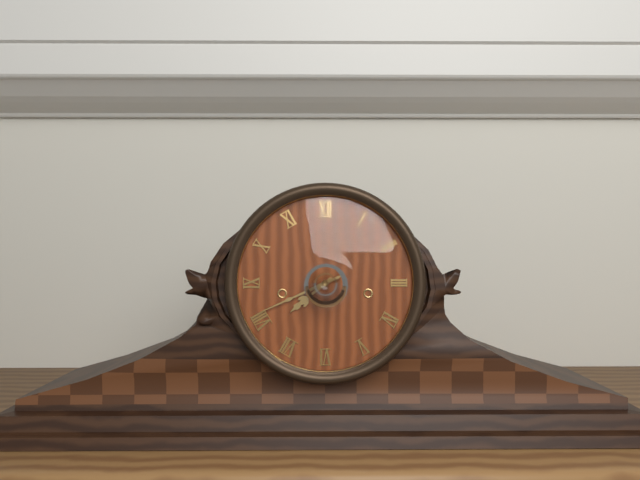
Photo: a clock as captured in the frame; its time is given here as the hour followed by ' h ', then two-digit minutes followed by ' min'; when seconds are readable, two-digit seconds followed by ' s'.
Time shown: 7 h 41 min
